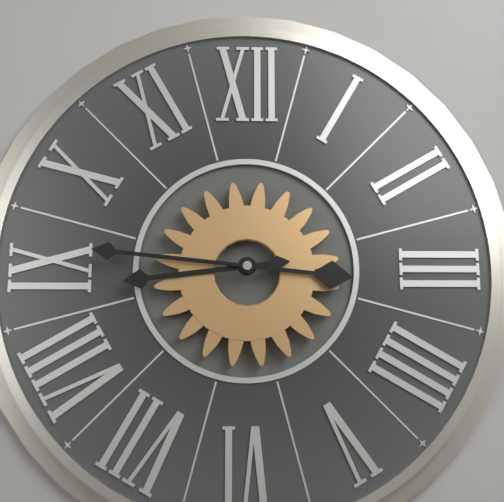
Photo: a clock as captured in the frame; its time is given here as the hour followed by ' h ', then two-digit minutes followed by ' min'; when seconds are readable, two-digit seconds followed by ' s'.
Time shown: 8 h 46 min
